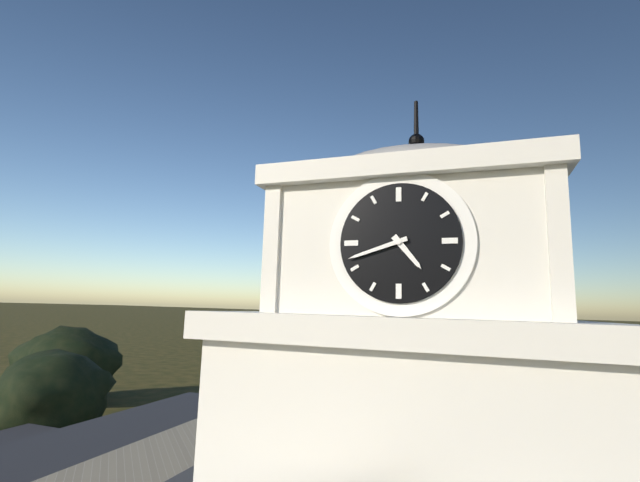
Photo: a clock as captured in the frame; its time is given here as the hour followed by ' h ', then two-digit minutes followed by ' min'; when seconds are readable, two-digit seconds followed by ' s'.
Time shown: 4 h 42 min
